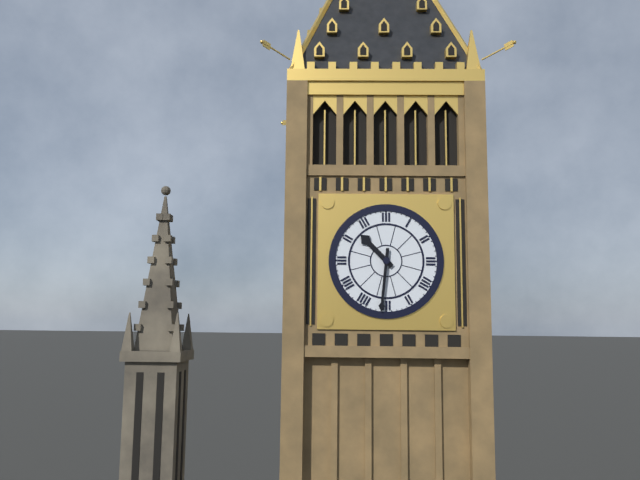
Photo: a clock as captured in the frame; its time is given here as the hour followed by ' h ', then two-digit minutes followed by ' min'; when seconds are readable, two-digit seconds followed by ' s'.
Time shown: 10 h 31 min
